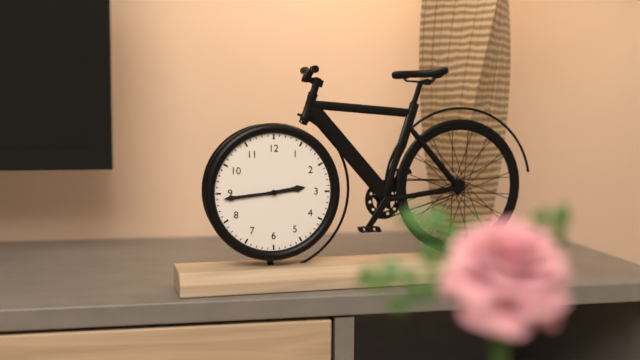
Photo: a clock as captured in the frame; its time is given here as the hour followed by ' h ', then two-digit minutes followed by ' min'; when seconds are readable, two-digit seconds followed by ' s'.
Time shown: 2 h 44 min
